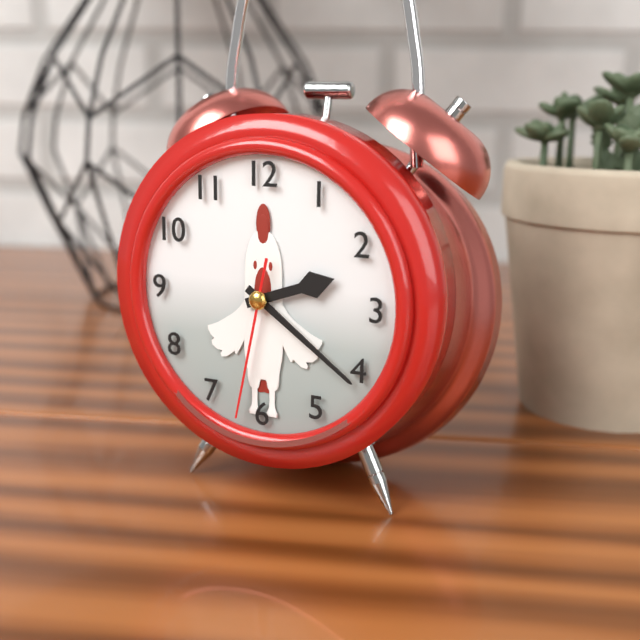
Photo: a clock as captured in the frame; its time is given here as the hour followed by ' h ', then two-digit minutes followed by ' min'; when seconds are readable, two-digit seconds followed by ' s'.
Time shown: 2 h 21 min 32 s
